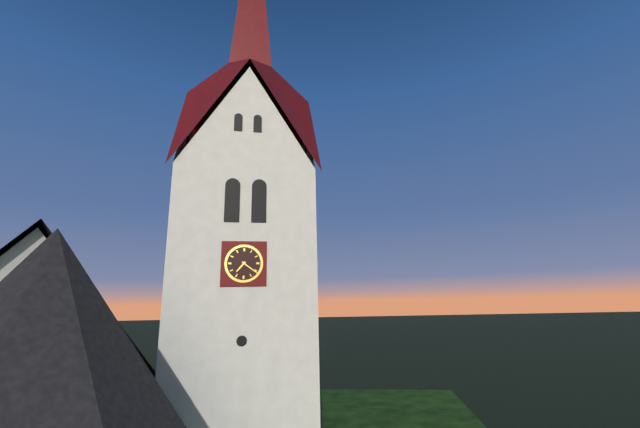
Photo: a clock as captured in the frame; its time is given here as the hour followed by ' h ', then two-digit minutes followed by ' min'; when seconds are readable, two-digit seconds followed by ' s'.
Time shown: 7 h 21 min
